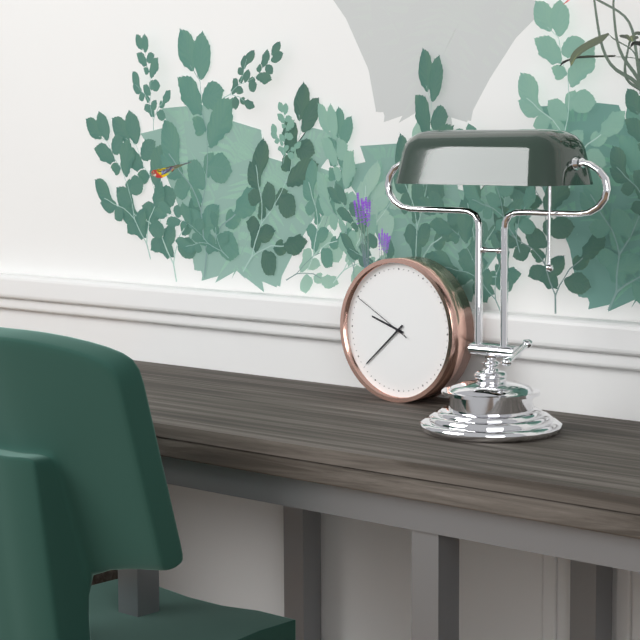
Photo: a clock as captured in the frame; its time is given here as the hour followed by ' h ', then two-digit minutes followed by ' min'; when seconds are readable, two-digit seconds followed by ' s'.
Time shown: 9 h 38 min 50 s
